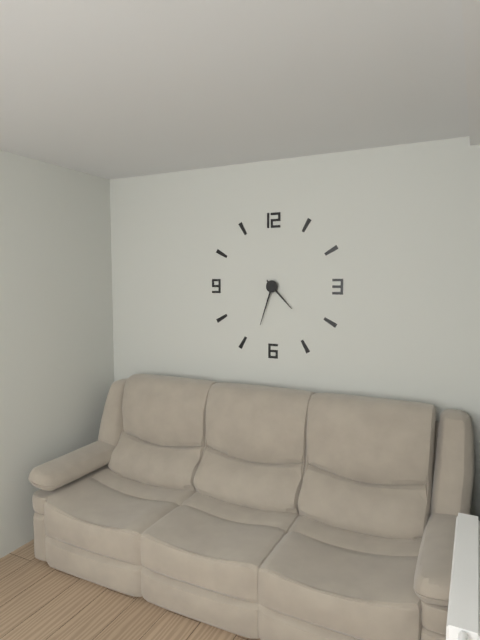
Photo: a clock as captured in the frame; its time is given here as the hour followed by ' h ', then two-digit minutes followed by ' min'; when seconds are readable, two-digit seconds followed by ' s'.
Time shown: 4 h 33 min
